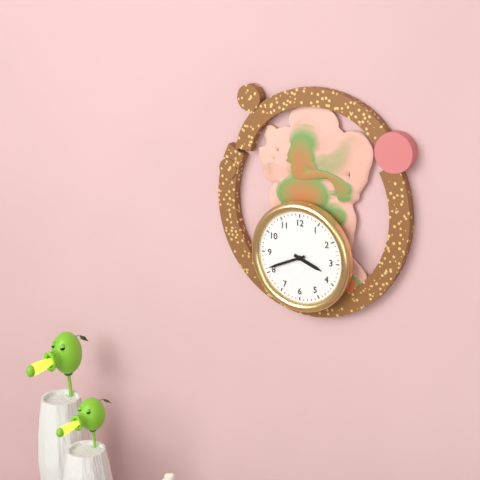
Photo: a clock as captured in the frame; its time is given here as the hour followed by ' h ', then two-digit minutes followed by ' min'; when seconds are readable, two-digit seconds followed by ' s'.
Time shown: 3 h 41 min
